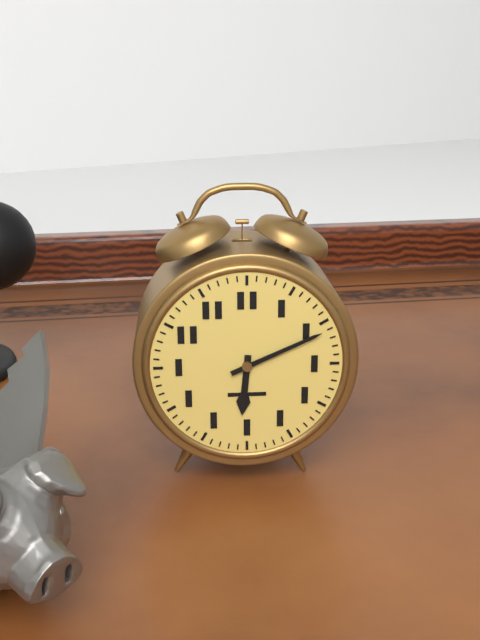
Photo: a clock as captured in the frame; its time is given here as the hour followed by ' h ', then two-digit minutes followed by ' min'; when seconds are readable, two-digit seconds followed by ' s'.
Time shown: 6 h 11 min
